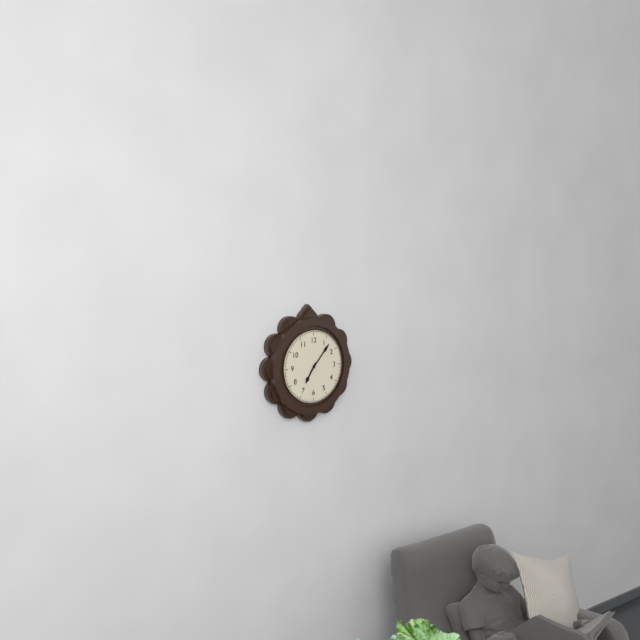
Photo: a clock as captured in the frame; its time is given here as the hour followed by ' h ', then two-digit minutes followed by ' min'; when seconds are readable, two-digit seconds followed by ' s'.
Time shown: 7 h 07 min
